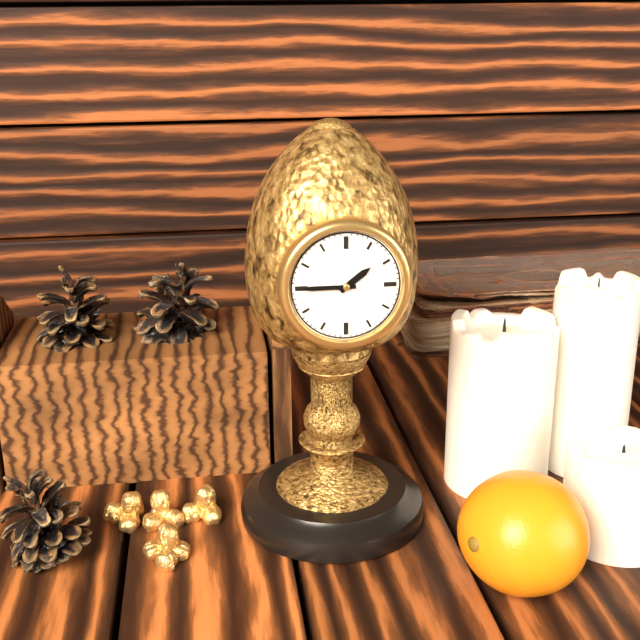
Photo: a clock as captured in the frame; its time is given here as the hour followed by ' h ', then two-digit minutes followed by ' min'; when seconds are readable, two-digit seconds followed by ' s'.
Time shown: 1 h 45 min
